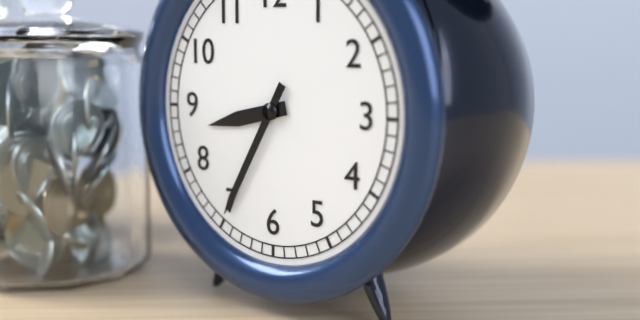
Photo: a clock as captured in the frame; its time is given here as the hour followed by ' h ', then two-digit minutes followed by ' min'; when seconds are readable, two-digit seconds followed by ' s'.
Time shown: 8 h 35 min
